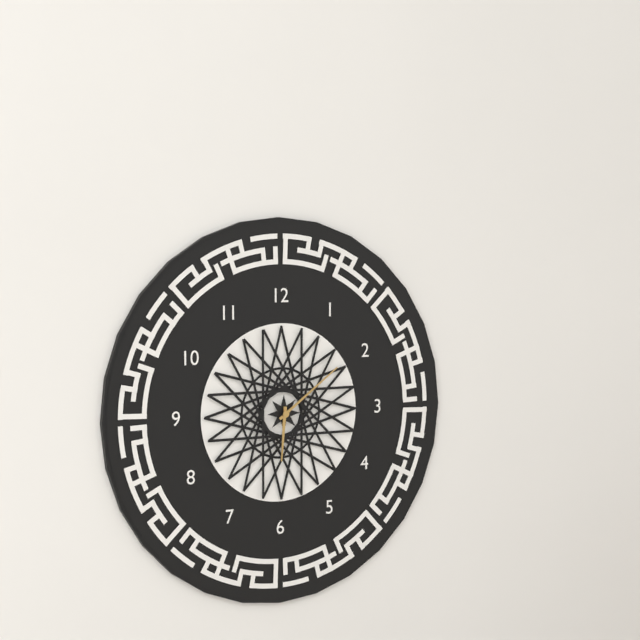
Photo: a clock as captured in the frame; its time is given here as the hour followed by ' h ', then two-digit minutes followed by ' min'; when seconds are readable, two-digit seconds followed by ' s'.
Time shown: 6 h 09 min
